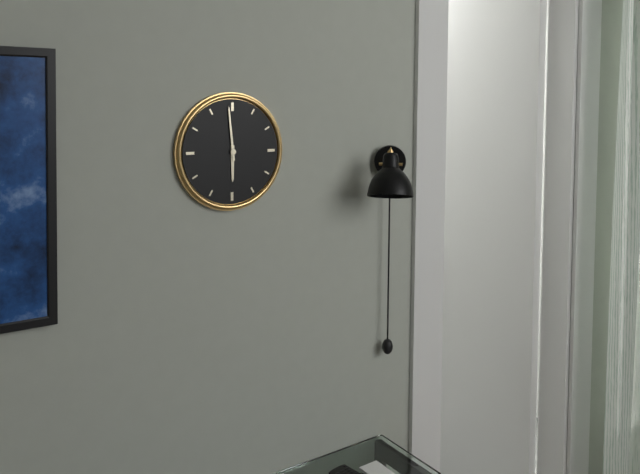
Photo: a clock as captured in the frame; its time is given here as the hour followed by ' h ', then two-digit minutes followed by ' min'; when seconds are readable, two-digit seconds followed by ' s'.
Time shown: 5 h 59 min
